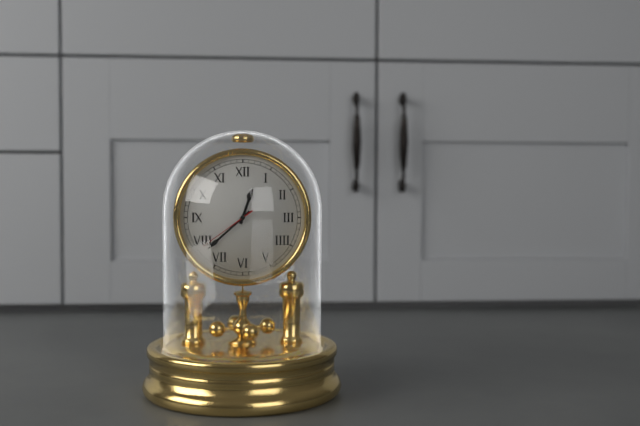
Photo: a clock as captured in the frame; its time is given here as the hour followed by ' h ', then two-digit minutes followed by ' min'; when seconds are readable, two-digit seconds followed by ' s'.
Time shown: 12 h 38 min 39 s
